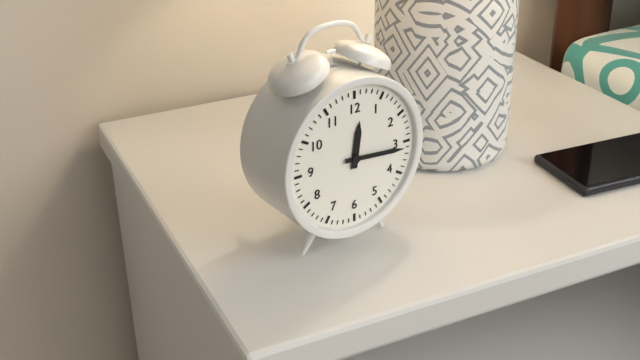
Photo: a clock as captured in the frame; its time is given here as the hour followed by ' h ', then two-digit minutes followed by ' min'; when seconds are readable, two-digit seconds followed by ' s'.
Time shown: 12 h 16 min
